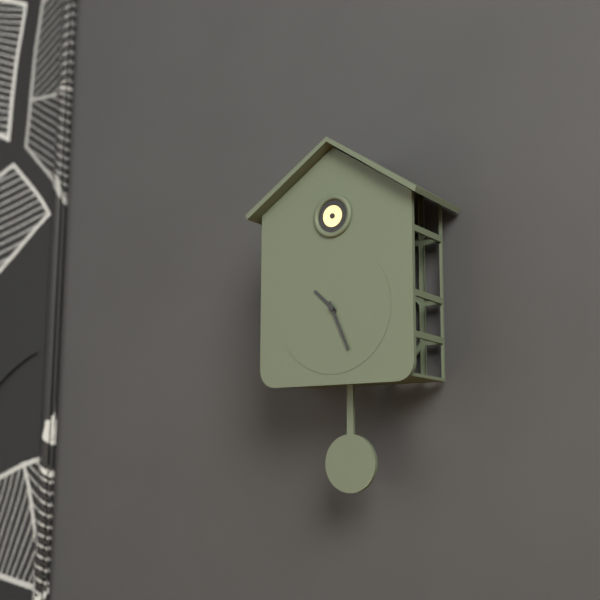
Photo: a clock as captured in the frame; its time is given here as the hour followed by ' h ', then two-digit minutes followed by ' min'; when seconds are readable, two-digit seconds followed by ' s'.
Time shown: 10 h 26 min
